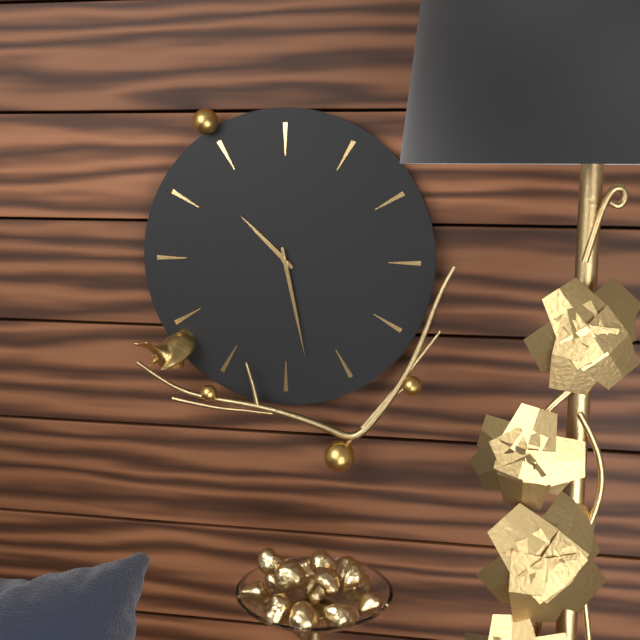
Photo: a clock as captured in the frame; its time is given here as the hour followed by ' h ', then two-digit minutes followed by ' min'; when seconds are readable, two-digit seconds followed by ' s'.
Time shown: 10 h 28 min
